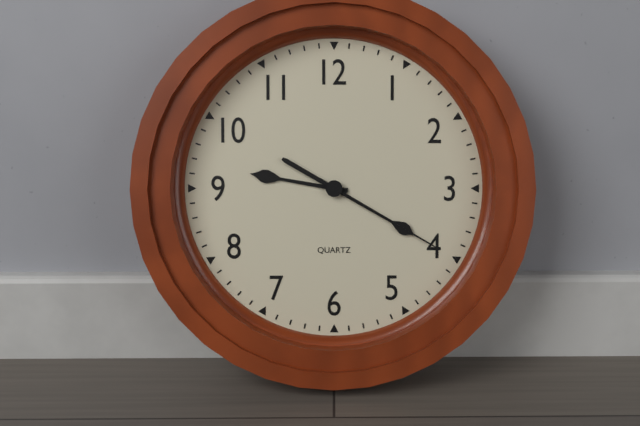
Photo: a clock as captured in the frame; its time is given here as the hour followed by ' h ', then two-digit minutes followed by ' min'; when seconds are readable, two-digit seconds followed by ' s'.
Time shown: 9 h 20 min 20 s
